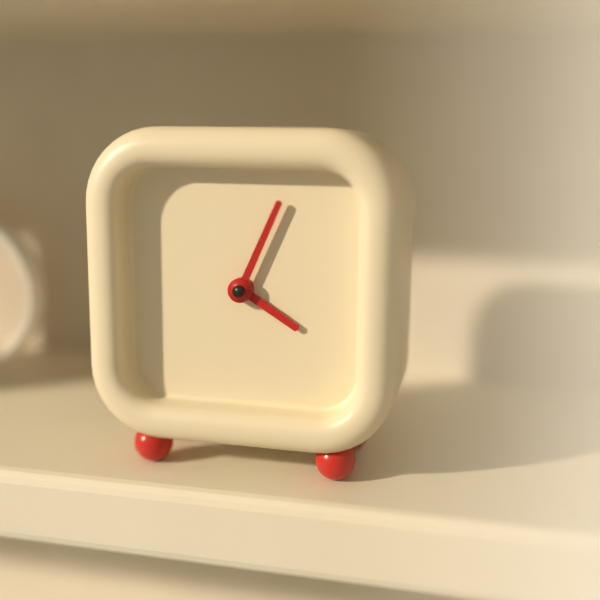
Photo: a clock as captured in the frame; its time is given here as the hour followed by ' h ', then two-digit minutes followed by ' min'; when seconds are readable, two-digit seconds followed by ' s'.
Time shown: 4 h 04 min
